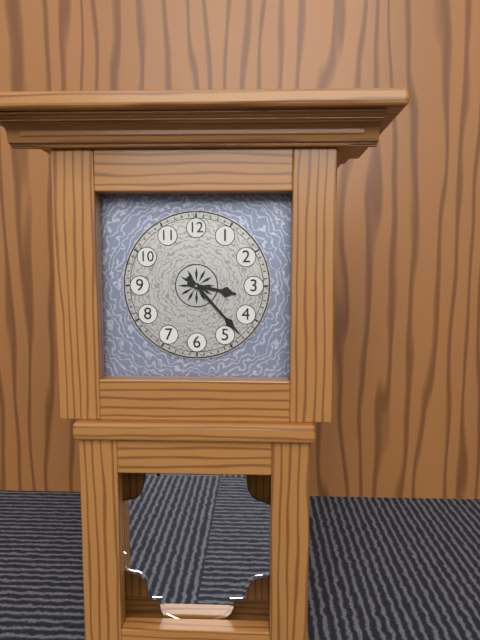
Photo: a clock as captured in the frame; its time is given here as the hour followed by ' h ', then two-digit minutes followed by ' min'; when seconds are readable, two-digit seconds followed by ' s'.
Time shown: 3 h 23 min
